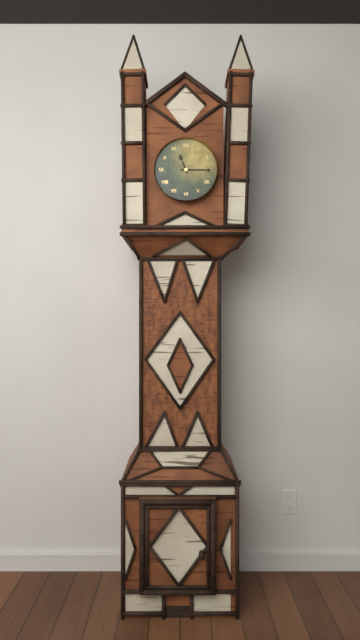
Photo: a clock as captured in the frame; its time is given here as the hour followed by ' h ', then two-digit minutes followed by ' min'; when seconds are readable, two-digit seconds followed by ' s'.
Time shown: 11 h 15 min
